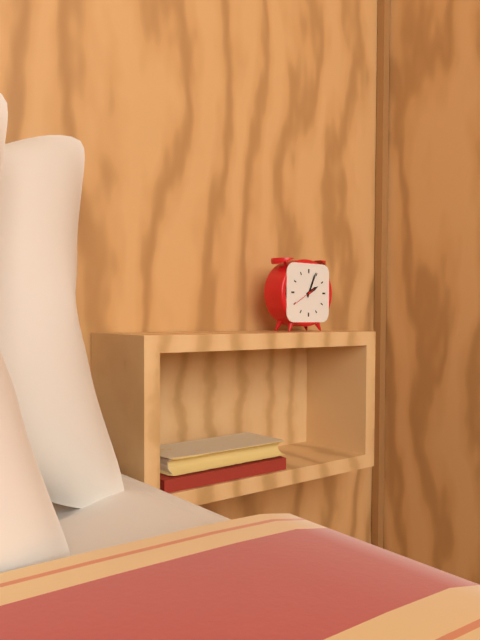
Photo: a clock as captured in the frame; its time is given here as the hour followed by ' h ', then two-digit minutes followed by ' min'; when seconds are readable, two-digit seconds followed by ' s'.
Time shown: 2 h 04 min
